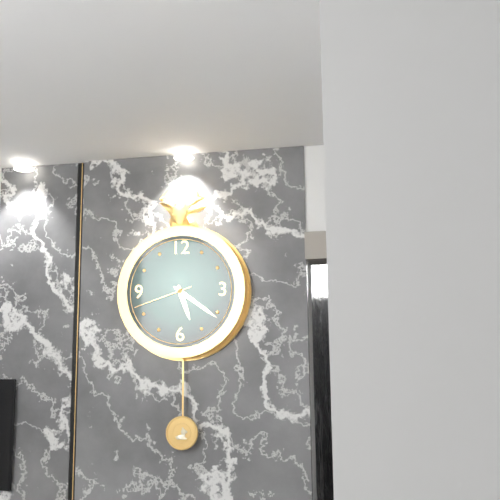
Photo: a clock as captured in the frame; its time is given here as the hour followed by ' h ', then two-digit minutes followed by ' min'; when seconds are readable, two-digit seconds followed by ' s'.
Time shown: 5 h 21 min 42 s
